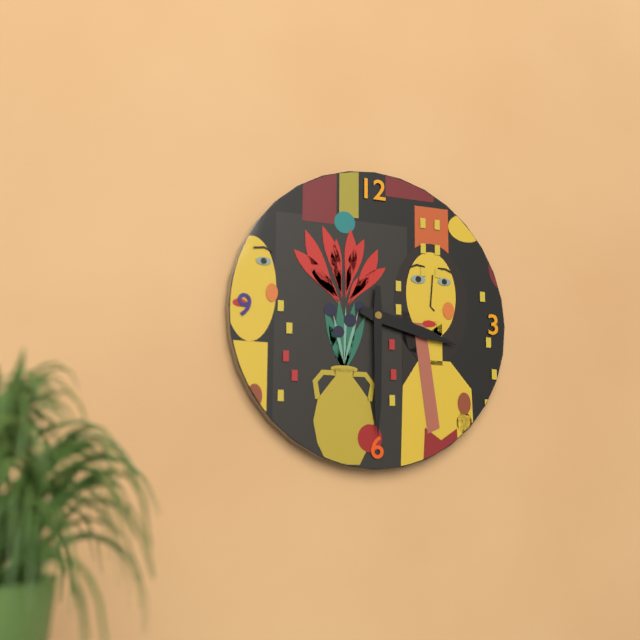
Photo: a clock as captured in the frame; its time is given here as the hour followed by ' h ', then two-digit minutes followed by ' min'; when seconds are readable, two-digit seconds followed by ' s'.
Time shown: 3 h 30 min
